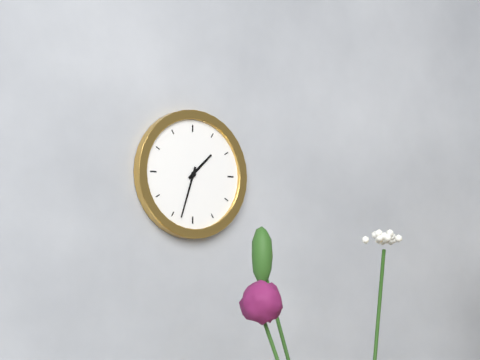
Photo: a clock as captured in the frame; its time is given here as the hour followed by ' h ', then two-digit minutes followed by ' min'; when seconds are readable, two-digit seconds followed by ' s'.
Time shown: 1 h 33 min
